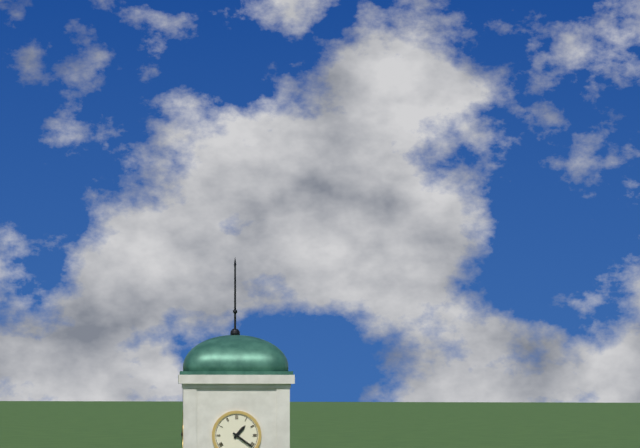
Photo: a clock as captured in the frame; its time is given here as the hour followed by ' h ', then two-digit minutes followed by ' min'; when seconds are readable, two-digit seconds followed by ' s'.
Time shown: 1 h 21 min
